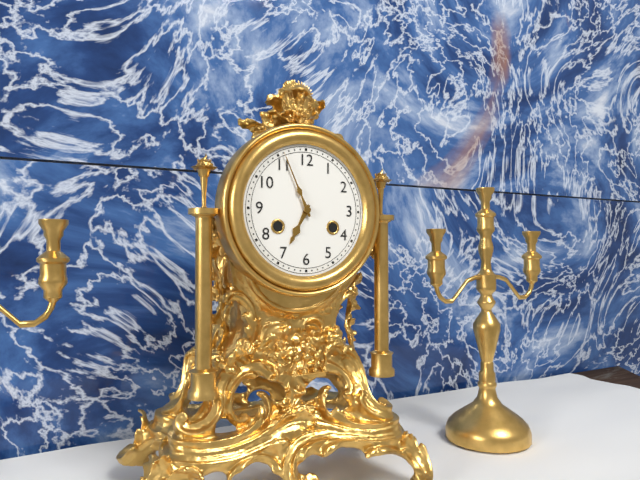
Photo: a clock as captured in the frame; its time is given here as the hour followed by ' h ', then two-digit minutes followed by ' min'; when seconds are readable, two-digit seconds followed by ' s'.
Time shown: 6 h 56 min
